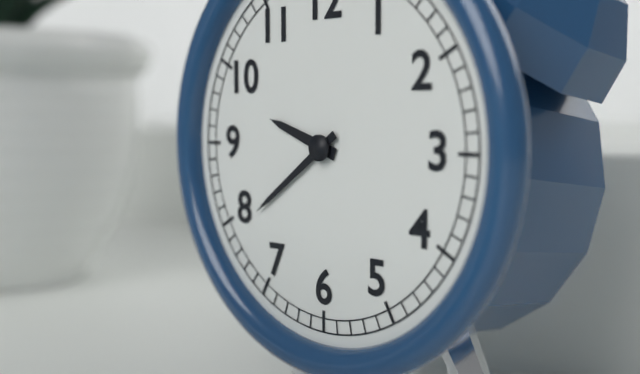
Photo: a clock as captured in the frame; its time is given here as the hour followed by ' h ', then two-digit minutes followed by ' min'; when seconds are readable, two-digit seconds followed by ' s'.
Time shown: 9 h 39 min
